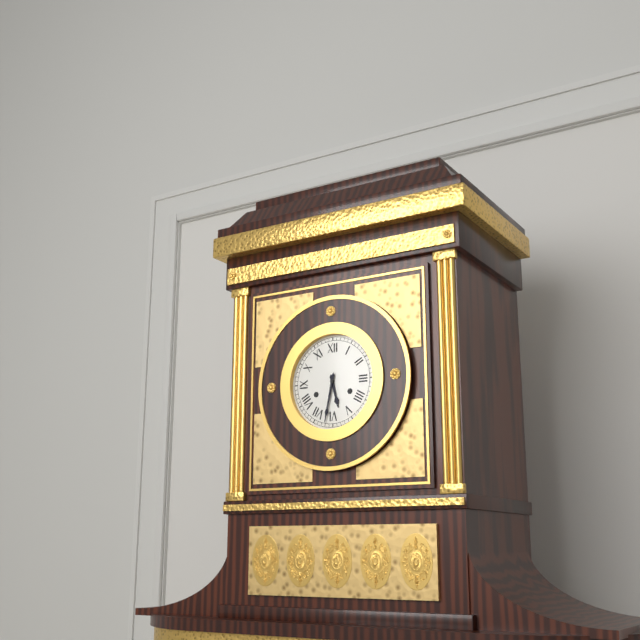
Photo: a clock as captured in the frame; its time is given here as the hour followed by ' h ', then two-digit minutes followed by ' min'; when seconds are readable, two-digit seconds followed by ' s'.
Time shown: 5 h 32 min
